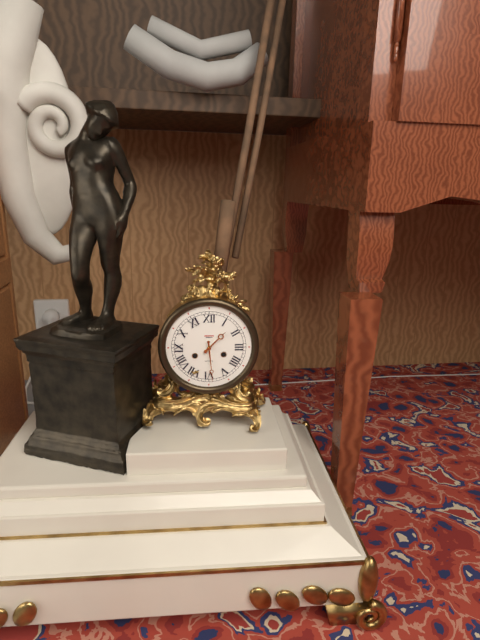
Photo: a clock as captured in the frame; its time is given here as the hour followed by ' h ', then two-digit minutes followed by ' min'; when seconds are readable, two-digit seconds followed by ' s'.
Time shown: 1 h 29 min
